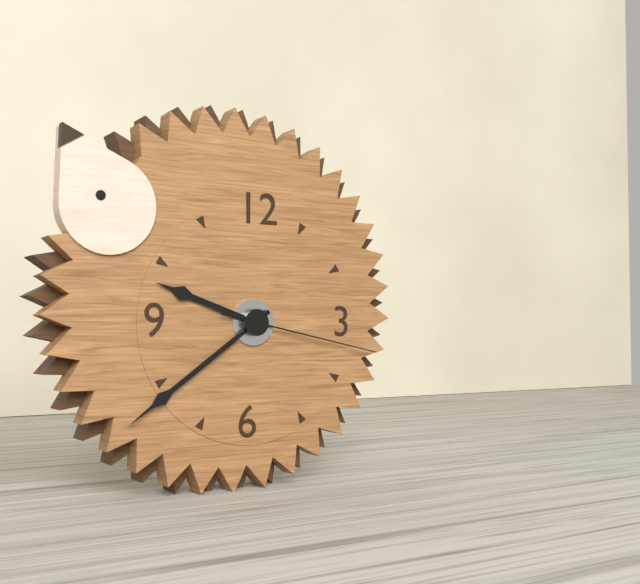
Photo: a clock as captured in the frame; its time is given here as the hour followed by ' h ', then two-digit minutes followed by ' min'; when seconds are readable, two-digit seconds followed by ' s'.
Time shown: 9 h 39 min 17 s
